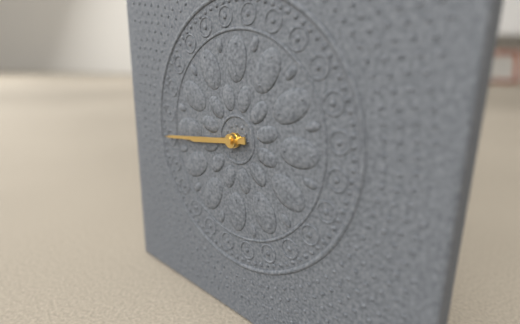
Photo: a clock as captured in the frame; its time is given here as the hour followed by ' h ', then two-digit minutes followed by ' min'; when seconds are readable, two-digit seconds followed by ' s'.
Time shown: 8 h 44 min
